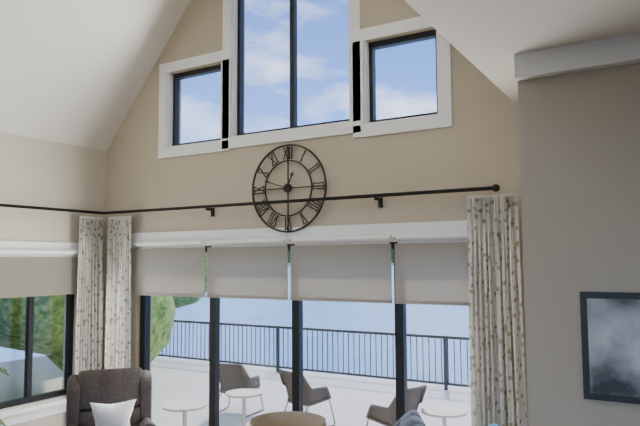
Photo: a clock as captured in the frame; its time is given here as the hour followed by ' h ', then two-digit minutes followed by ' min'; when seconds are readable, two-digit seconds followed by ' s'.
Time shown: 12 h 48 min
